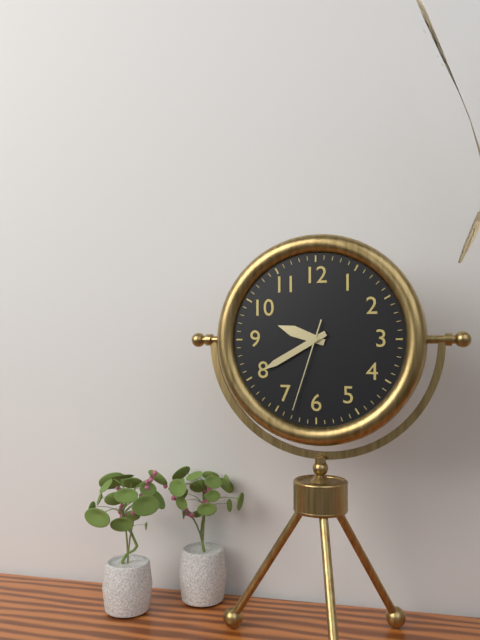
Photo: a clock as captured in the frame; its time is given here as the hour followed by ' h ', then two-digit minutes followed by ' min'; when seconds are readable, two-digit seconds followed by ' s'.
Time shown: 9 h 40 min 33 s
